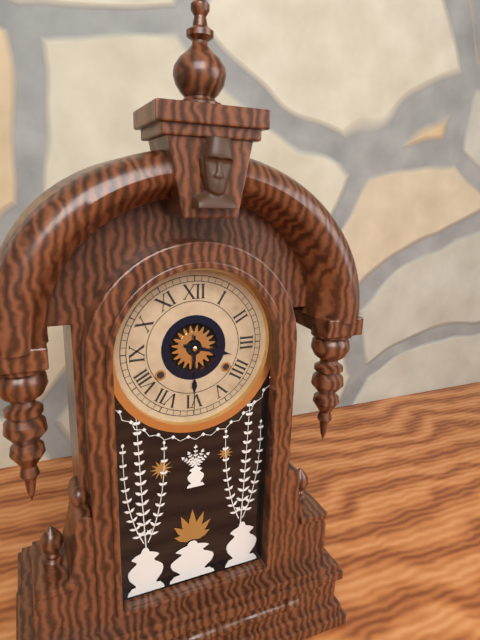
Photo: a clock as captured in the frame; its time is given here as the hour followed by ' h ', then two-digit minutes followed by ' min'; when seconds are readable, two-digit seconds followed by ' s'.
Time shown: 3 h 30 min
